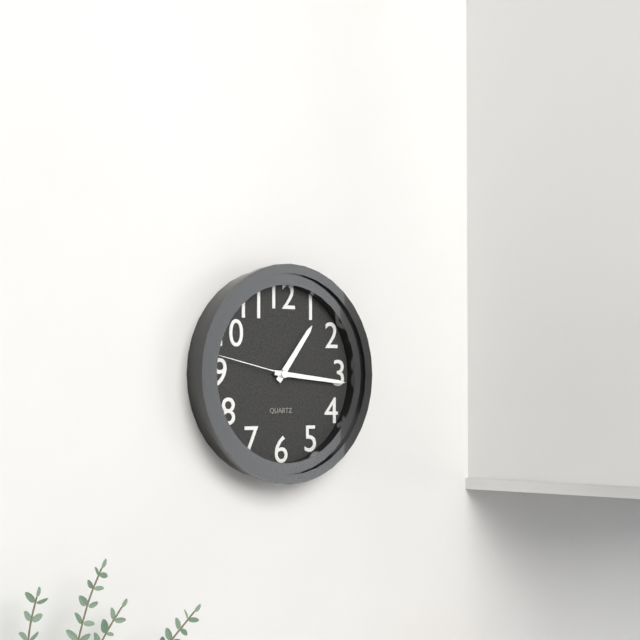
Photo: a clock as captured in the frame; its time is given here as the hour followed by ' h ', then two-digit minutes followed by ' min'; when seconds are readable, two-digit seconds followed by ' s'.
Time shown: 1 h 16 min 47 s
